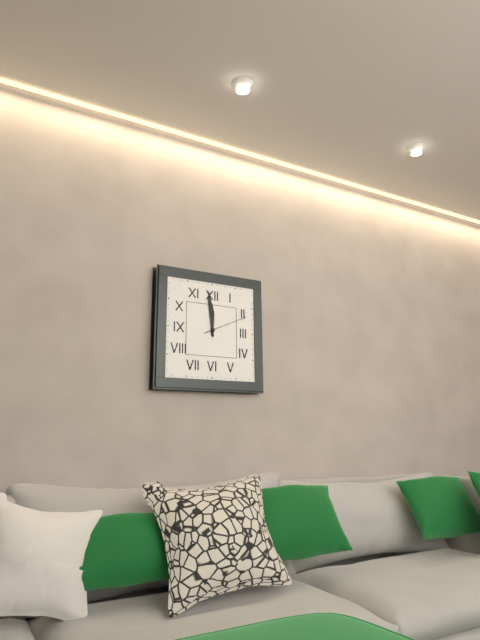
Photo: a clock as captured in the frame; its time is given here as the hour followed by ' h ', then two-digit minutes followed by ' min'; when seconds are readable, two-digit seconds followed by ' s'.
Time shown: 11 h 59 min
